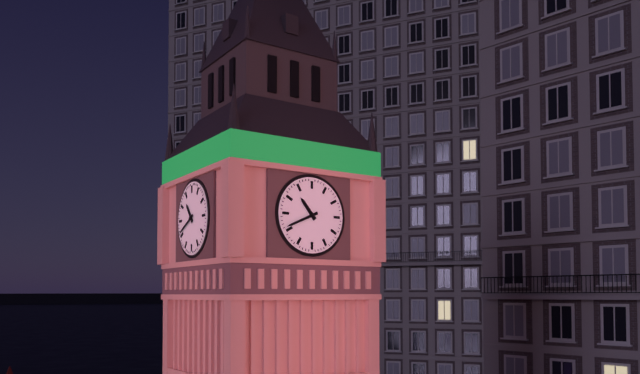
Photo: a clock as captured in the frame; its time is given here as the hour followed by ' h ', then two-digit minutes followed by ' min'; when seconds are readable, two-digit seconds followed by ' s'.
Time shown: 10 h 41 min
